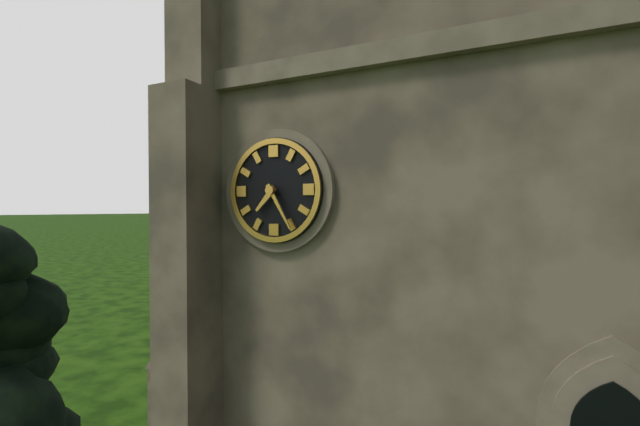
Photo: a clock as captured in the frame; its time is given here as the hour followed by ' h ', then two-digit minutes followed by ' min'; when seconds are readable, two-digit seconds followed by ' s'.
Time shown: 7 h 25 min
